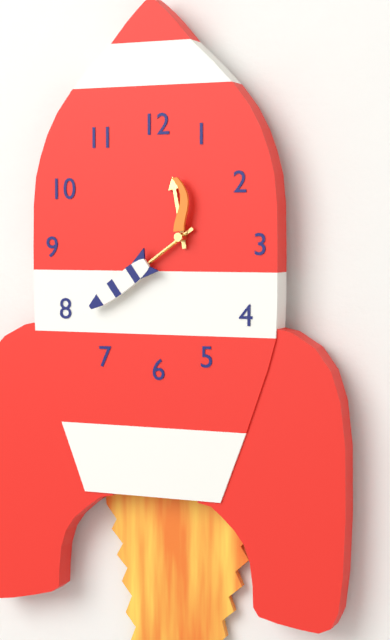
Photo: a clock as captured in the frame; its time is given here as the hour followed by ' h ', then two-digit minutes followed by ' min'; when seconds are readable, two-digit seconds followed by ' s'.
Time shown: 11 h 39 min 39 s
